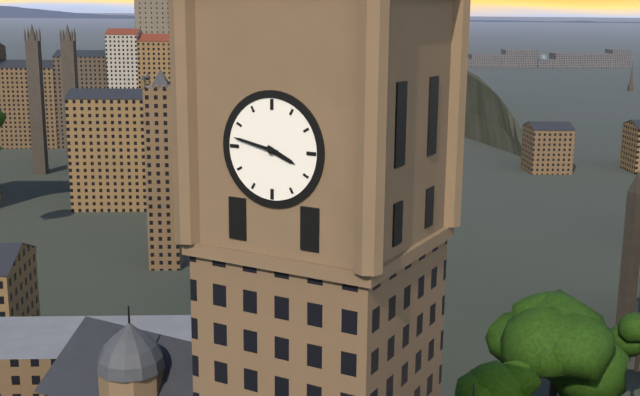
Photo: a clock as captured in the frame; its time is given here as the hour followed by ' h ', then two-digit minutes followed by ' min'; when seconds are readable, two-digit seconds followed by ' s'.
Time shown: 3 h 47 min
